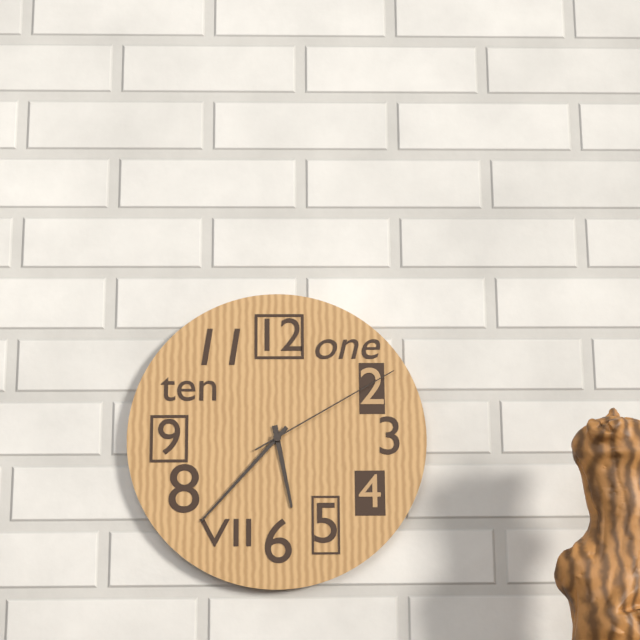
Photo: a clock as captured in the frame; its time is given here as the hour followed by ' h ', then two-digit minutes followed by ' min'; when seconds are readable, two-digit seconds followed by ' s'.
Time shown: 5 h 37 min 10 s
